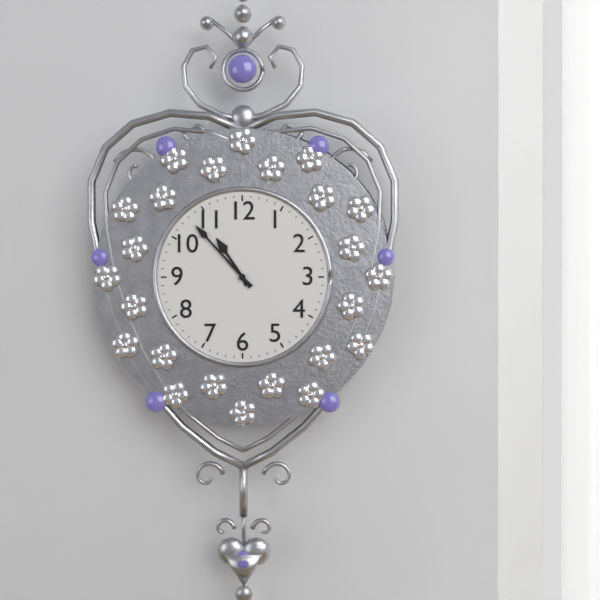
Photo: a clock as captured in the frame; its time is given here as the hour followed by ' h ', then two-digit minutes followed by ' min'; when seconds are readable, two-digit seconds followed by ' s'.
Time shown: 10 h 53 min
